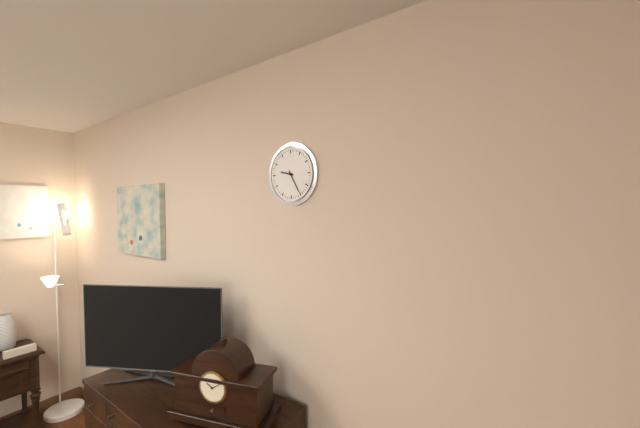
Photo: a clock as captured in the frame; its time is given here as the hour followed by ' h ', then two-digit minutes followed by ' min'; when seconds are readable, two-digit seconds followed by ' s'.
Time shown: 9 h 25 min
